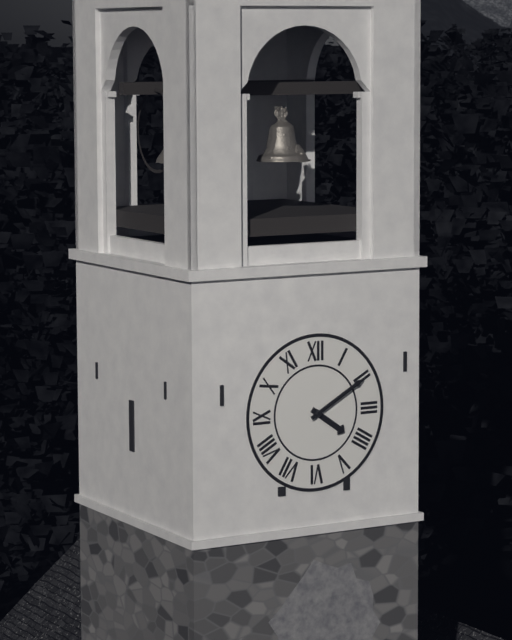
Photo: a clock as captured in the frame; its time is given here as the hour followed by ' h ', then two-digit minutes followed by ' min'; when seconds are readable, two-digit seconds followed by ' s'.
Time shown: 4 h 10 min
